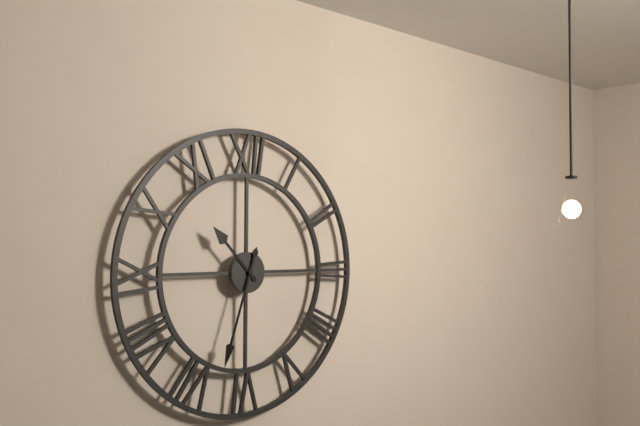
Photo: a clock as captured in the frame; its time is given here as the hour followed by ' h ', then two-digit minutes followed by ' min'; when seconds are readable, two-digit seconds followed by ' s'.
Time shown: 10 h 33 min
